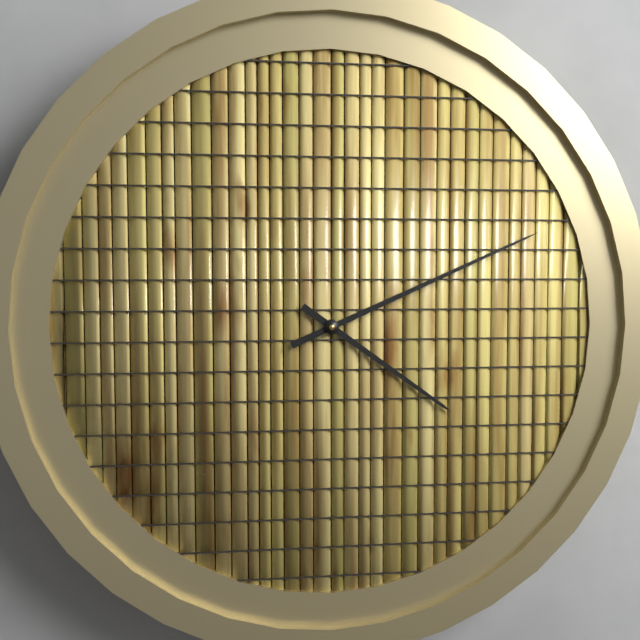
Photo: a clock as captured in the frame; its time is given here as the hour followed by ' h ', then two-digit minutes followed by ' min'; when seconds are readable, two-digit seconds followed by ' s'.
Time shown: 4 h 11 min
